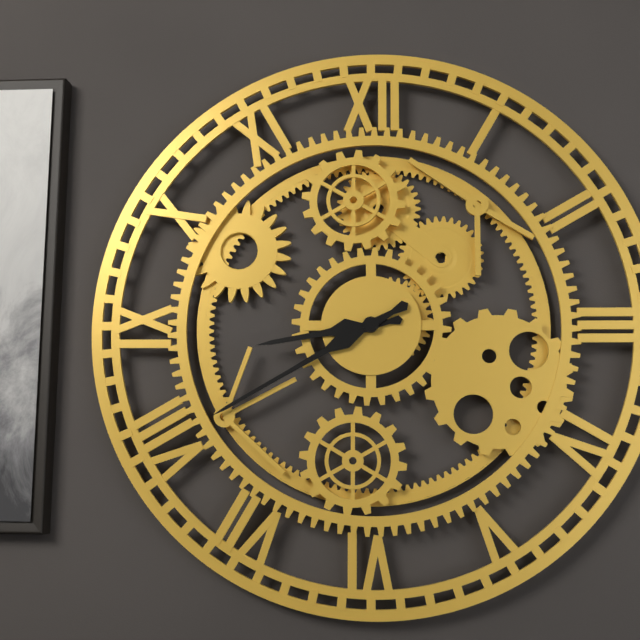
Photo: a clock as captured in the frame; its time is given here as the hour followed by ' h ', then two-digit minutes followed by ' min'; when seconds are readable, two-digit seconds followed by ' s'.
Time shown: 8 h 40 min
